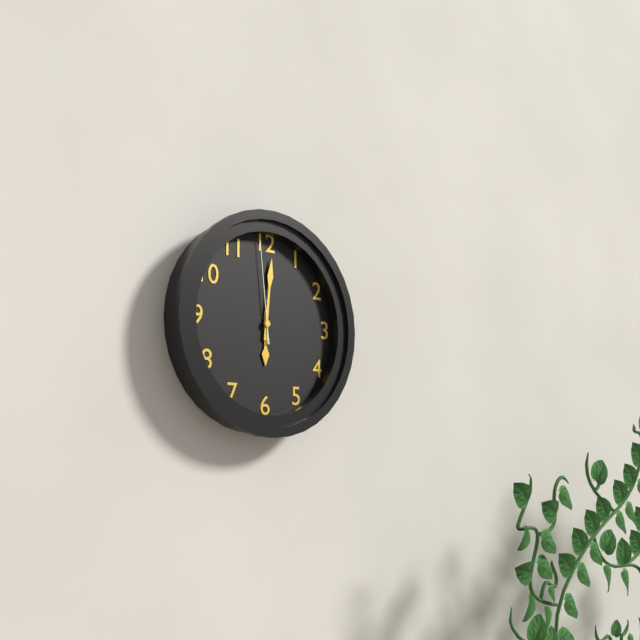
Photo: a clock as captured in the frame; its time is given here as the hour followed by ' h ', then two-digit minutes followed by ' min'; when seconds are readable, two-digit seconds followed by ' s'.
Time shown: 6 h 01 min 59 s
